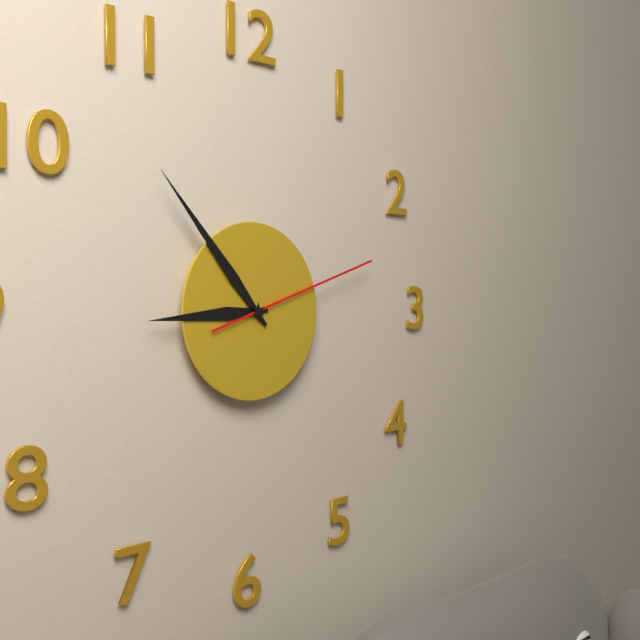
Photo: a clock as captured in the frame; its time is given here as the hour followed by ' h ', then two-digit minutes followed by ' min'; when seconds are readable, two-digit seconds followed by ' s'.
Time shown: 8 h 53 min 12 s
